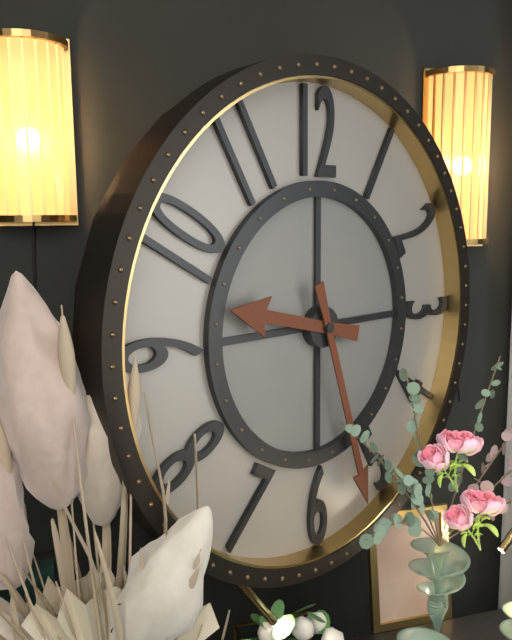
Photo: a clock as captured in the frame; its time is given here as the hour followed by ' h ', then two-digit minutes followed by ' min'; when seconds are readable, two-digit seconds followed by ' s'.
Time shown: 9 h 27 min
